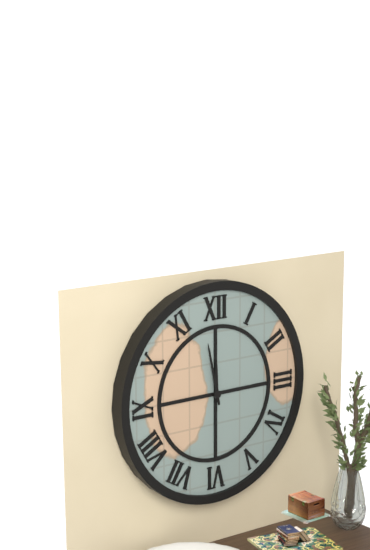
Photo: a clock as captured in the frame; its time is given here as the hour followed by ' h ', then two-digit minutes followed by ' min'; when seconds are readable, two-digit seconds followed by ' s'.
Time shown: 11 h 58 min
